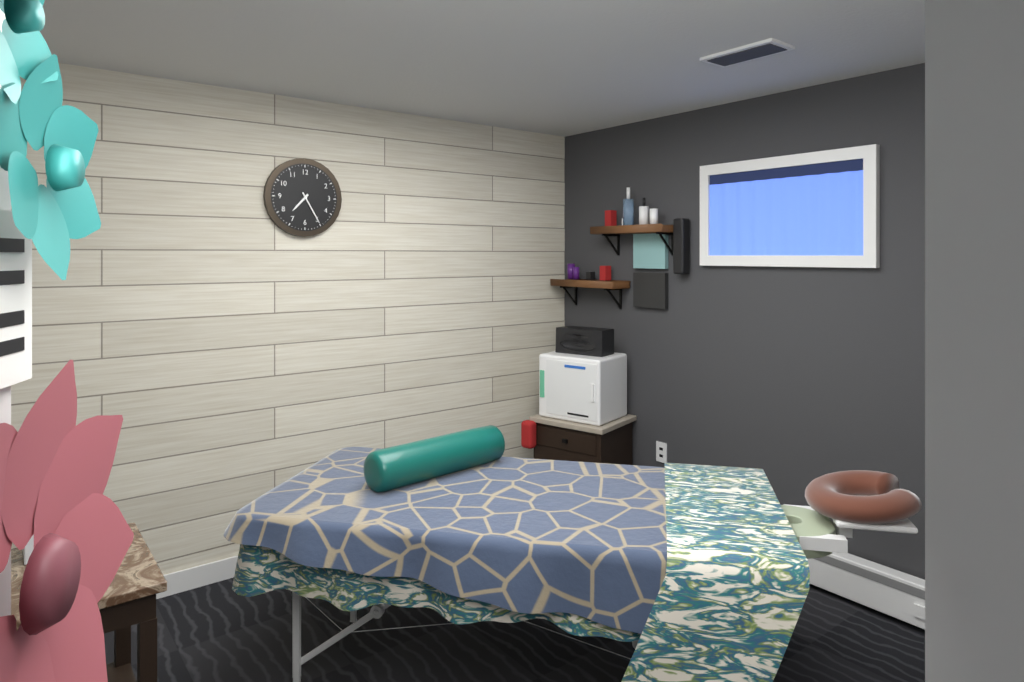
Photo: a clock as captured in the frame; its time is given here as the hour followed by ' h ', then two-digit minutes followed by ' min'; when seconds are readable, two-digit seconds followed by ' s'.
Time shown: 7 h 25 min
